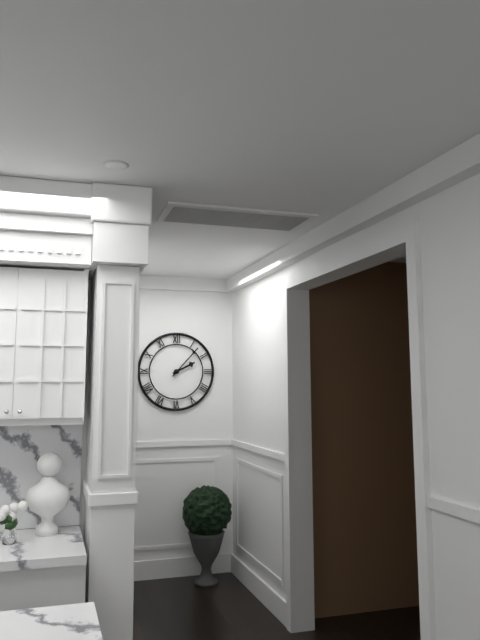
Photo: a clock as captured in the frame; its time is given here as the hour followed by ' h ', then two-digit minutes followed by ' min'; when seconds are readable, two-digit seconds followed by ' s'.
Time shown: 2 h 07 min
